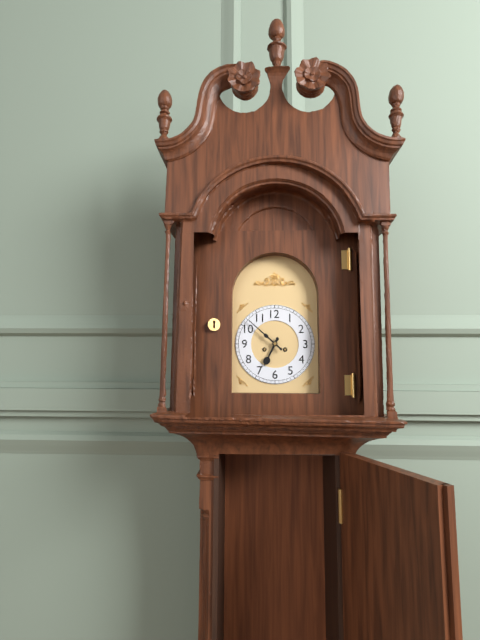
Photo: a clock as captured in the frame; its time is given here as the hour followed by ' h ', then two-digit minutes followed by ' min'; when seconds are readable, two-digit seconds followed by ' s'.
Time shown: 6 h 52 min
